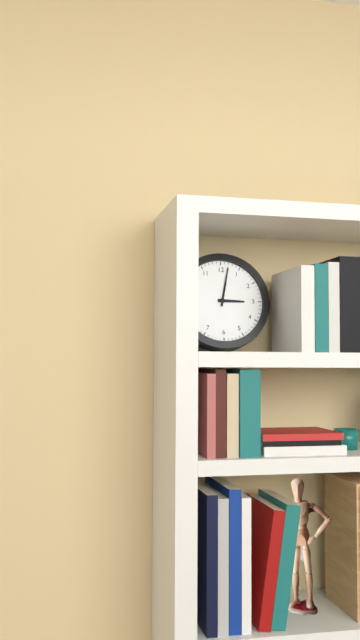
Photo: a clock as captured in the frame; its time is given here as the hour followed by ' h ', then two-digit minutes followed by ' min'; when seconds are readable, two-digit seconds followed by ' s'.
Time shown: 3 h 02 min
